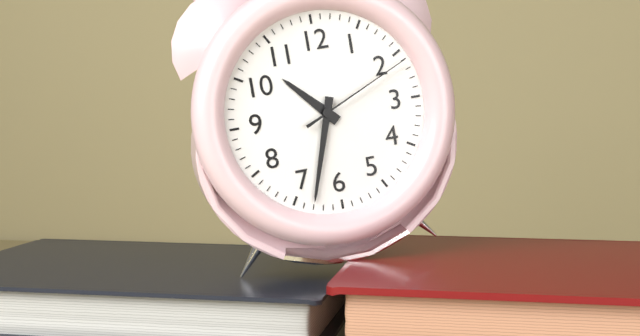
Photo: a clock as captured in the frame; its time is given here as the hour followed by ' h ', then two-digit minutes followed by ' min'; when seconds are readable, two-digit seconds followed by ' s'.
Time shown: 10 h 33 min 11 s
